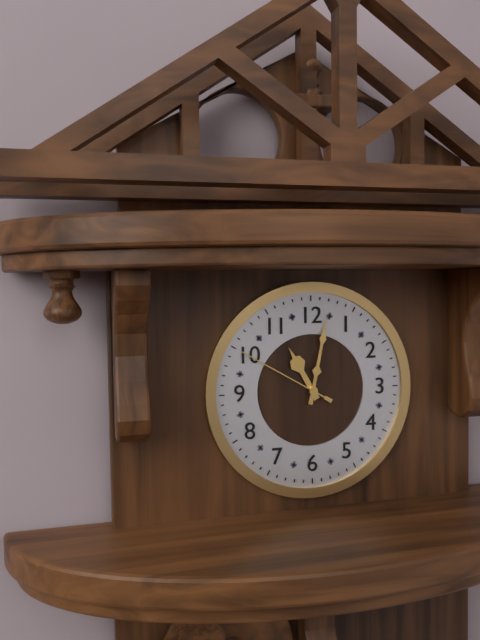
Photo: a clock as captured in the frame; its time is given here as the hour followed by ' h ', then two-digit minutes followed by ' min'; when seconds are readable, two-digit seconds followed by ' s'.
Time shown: 11 h 02 min 50 s
